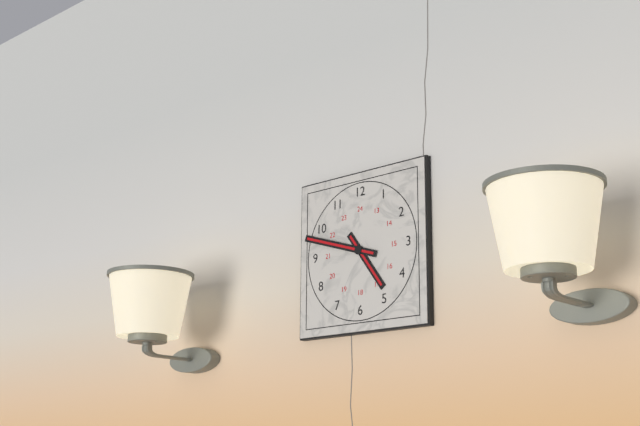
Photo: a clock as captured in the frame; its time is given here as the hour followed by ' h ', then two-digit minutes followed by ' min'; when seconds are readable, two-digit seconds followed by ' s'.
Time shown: 4 h 48 min
